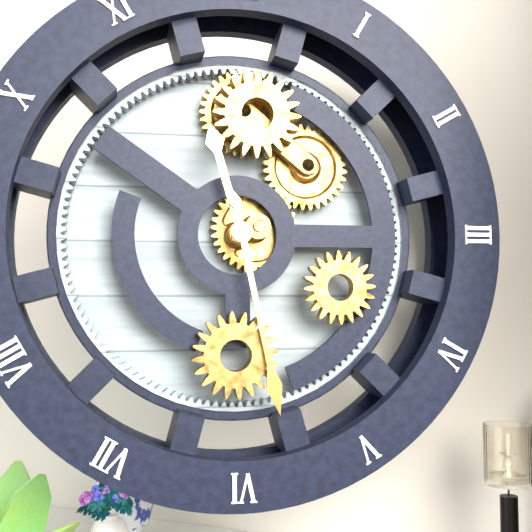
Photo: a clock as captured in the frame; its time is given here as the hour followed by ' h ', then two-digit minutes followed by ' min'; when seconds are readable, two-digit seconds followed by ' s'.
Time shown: 11 h 28 min
